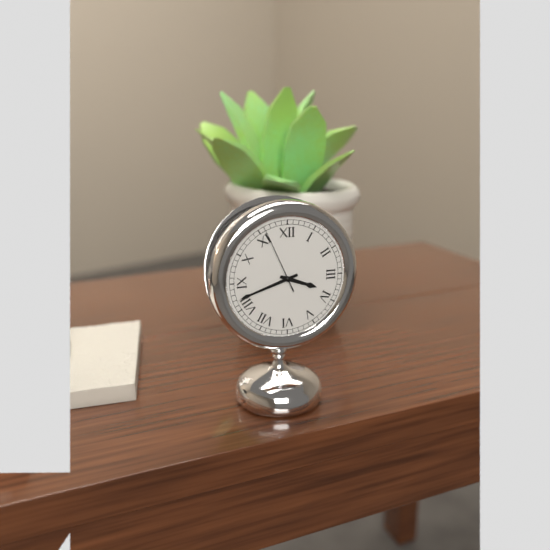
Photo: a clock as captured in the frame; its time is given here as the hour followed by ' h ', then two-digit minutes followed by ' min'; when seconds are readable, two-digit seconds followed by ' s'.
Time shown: 3 h 42 min 56 s
